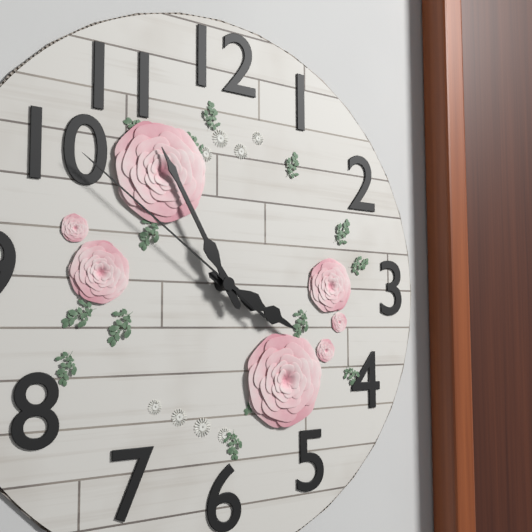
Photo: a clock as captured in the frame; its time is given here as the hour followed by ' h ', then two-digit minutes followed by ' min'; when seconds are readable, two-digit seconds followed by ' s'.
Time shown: 3 h 55 min 51 s
